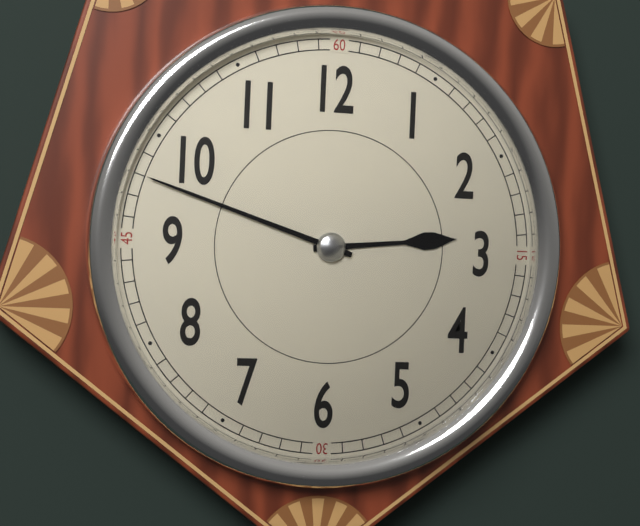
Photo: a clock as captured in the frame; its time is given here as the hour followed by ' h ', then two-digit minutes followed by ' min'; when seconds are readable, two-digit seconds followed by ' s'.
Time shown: 2 h 48 min
